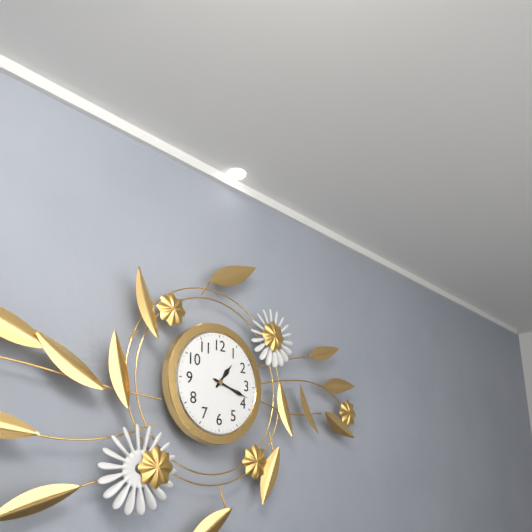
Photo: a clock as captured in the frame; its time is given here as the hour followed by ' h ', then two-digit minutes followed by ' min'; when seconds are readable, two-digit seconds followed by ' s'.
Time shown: 1 h 18 min
